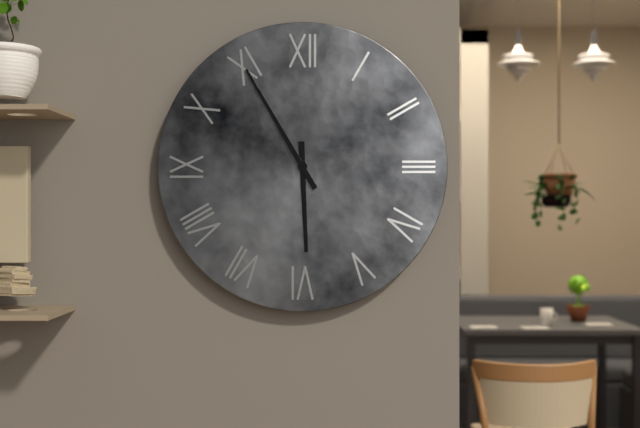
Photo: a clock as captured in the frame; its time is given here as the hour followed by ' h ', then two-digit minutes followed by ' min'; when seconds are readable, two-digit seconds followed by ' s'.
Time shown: 5 h 55 min
